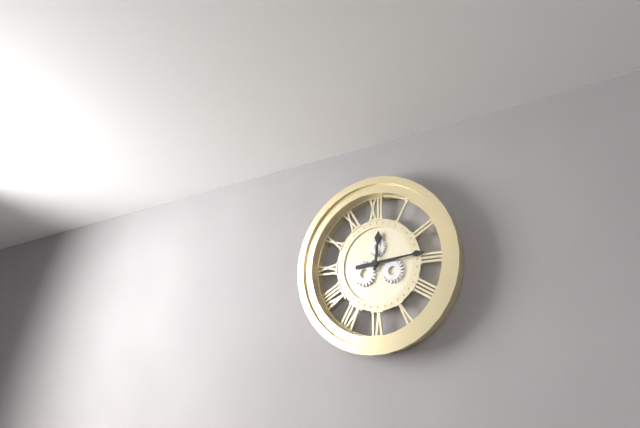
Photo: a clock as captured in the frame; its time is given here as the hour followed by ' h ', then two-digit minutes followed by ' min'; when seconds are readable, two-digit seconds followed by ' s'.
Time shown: 12 h 14 min
